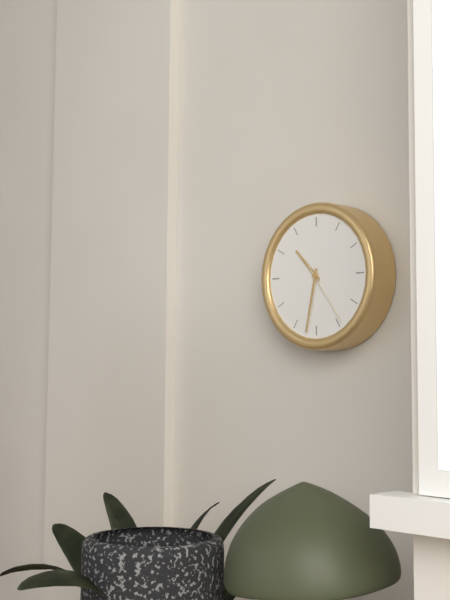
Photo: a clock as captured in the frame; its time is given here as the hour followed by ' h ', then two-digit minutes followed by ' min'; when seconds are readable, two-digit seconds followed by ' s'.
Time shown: 10 h 32 min 24 s
